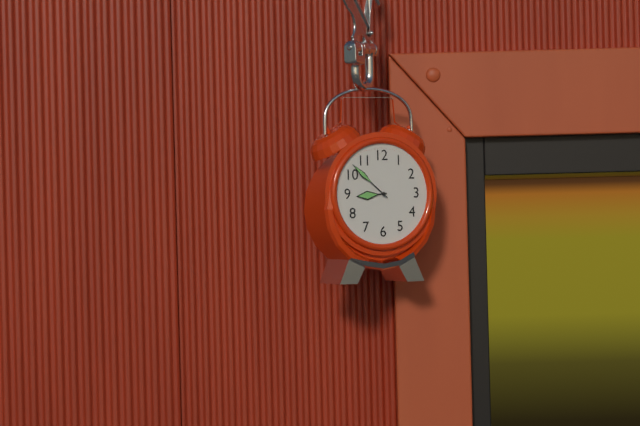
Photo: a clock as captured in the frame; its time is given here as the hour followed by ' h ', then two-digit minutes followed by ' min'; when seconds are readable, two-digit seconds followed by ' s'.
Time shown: 8 h 52 min
